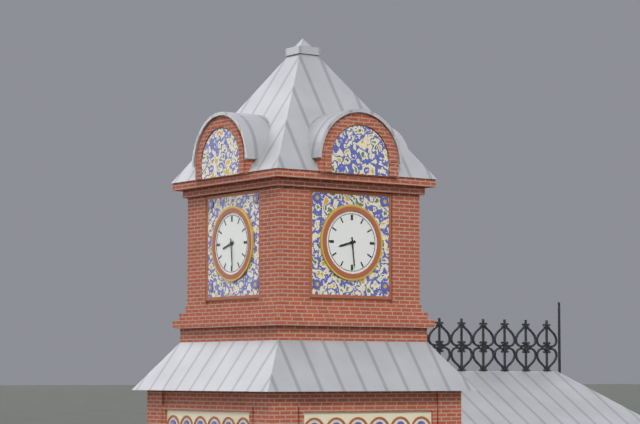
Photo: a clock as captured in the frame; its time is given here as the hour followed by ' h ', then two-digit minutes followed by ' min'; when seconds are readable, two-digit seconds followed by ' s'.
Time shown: 8 h 29 min
